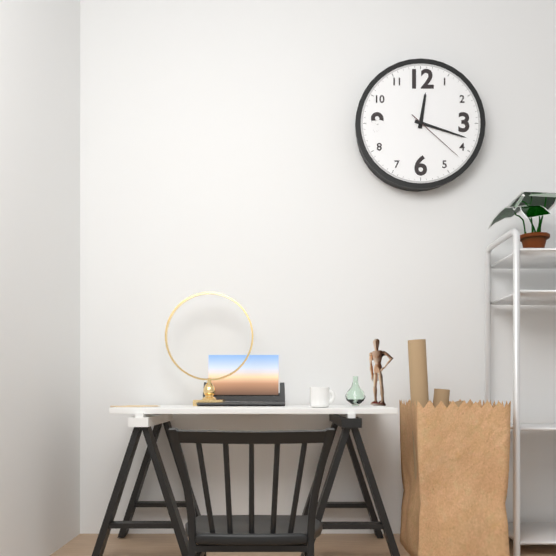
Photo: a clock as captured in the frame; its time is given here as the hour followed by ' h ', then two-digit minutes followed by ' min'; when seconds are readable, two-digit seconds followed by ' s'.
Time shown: 12 h 18 min 22 s
